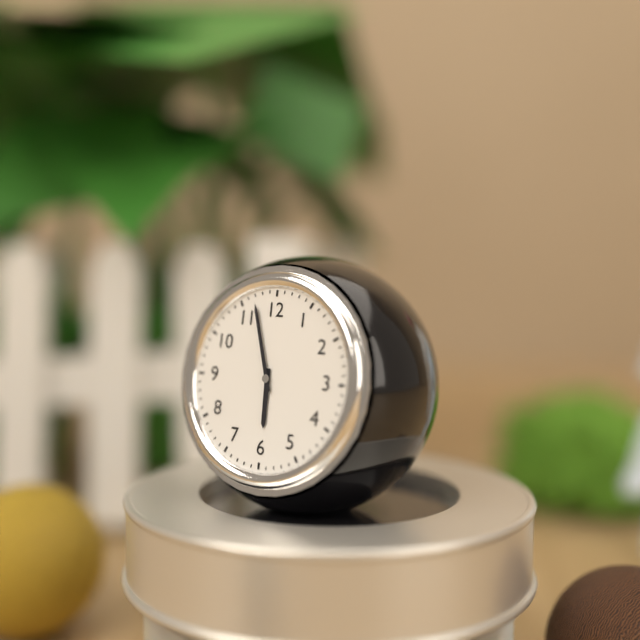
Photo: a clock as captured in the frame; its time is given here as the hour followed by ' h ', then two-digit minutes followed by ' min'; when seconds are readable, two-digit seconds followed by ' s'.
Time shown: 5 h 57 min
